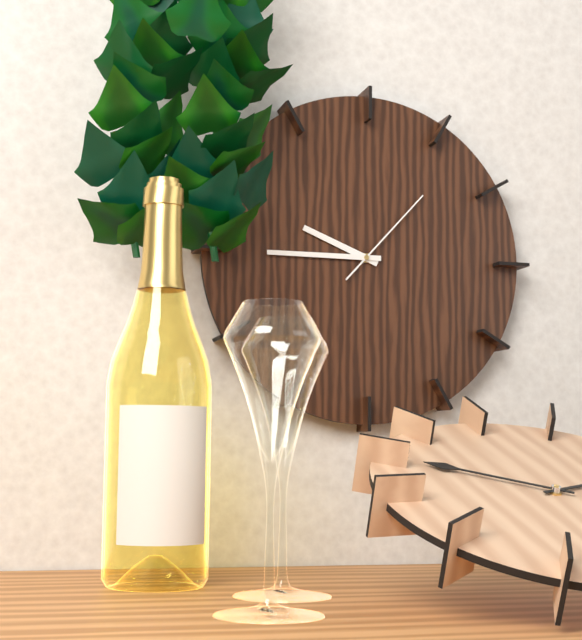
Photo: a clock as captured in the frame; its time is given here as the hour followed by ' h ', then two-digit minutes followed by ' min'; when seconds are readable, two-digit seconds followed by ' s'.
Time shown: 9 h 45 min 07 s
